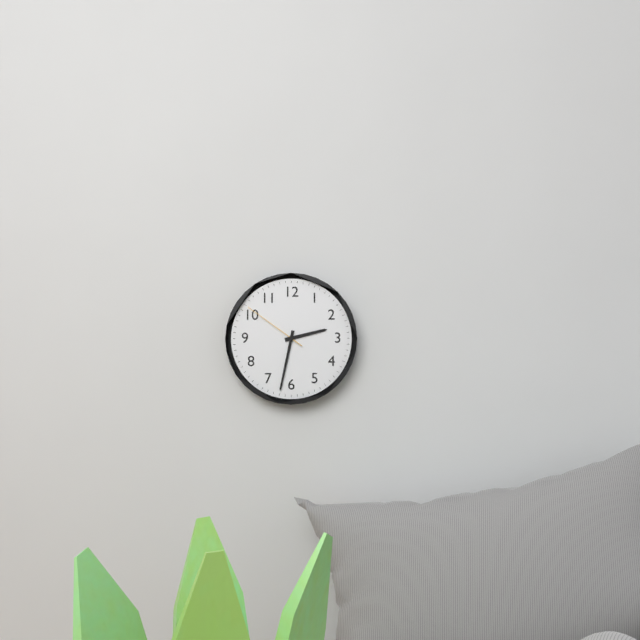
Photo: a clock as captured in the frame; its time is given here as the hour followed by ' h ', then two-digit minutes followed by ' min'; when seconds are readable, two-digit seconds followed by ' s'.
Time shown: 2 h 32 min 51 s
